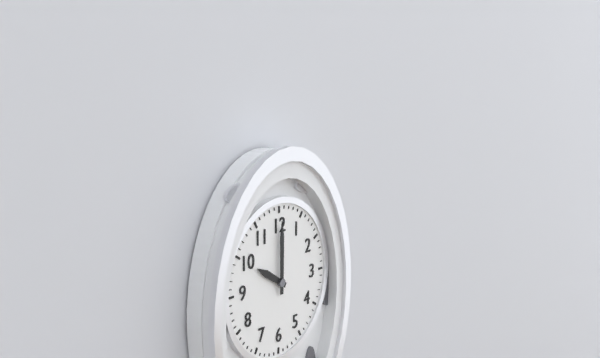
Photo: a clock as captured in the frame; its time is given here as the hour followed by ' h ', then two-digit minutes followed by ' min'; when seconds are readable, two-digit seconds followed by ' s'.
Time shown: 10 h 00 min
